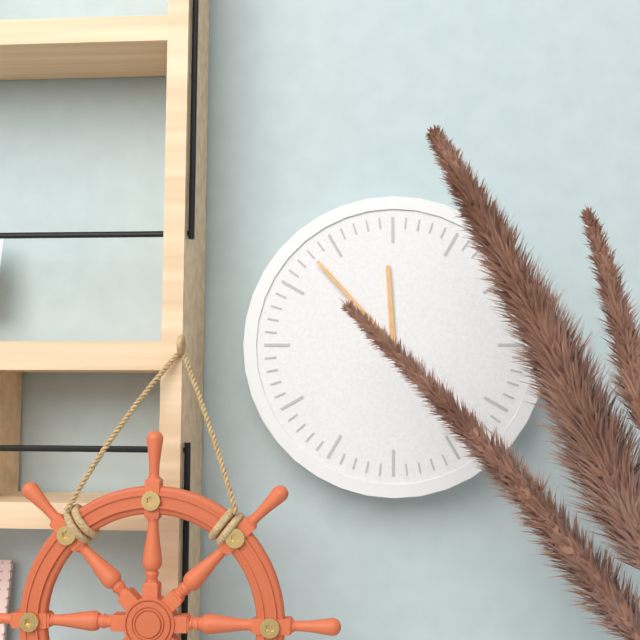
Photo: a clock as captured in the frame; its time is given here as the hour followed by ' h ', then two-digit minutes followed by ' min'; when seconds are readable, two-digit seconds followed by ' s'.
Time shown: 11 h 53 min
